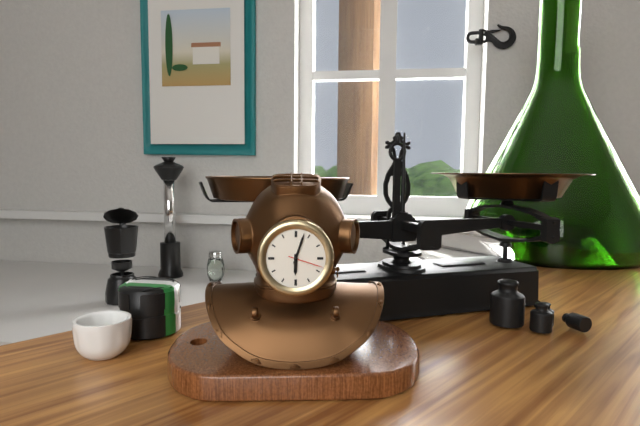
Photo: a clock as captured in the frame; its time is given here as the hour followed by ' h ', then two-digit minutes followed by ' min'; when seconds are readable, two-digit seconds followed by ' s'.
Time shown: 6 h 03 min
